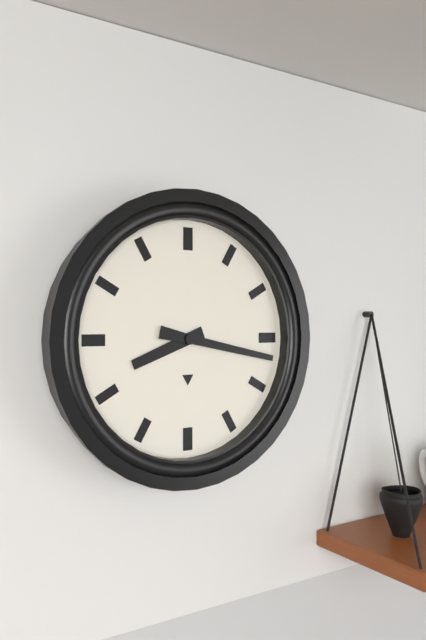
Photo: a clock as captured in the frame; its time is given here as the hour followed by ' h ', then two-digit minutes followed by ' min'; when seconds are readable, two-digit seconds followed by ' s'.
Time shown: 8 h 17 min
